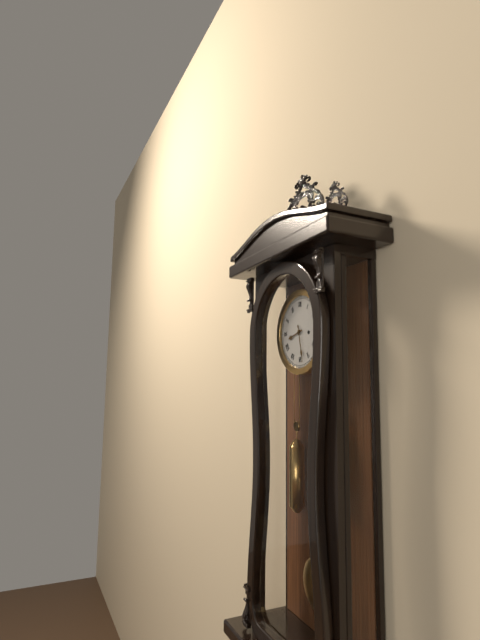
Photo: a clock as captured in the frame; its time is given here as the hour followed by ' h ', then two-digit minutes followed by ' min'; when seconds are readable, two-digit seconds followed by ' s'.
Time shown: 8 h 28 min
